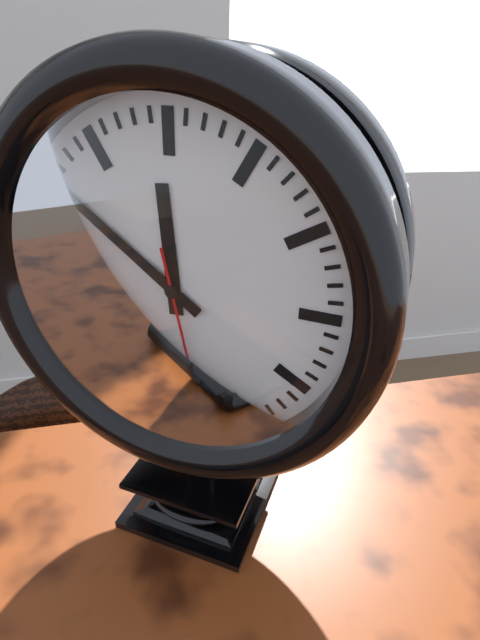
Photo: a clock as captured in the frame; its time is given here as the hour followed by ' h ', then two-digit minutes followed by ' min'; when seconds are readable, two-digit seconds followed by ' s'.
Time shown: 11 h 51 min 28 s
